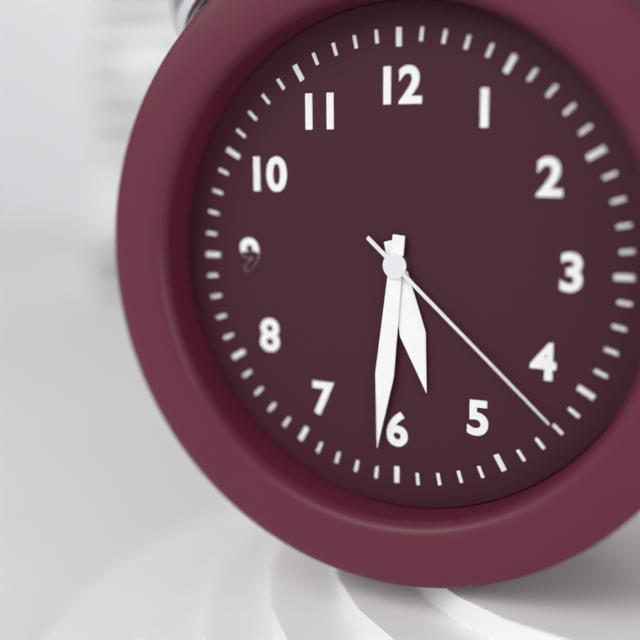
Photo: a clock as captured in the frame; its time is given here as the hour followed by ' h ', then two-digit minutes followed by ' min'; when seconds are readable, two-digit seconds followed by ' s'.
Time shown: 5 h 31 min 22 s
